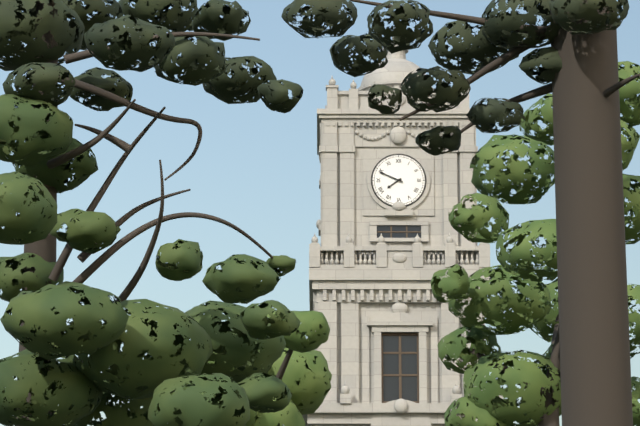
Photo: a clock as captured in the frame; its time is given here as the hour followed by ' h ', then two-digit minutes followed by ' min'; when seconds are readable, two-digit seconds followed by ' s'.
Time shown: 7 h 49 min
